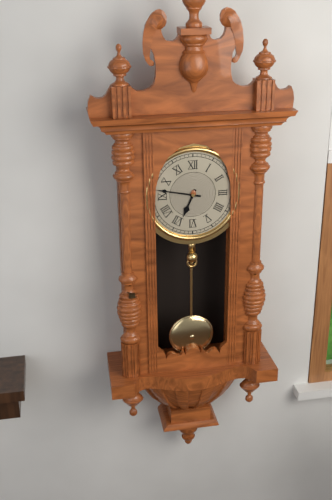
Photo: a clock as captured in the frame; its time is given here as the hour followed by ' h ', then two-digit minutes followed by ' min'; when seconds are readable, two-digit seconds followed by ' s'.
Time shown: 6 h 47 min
